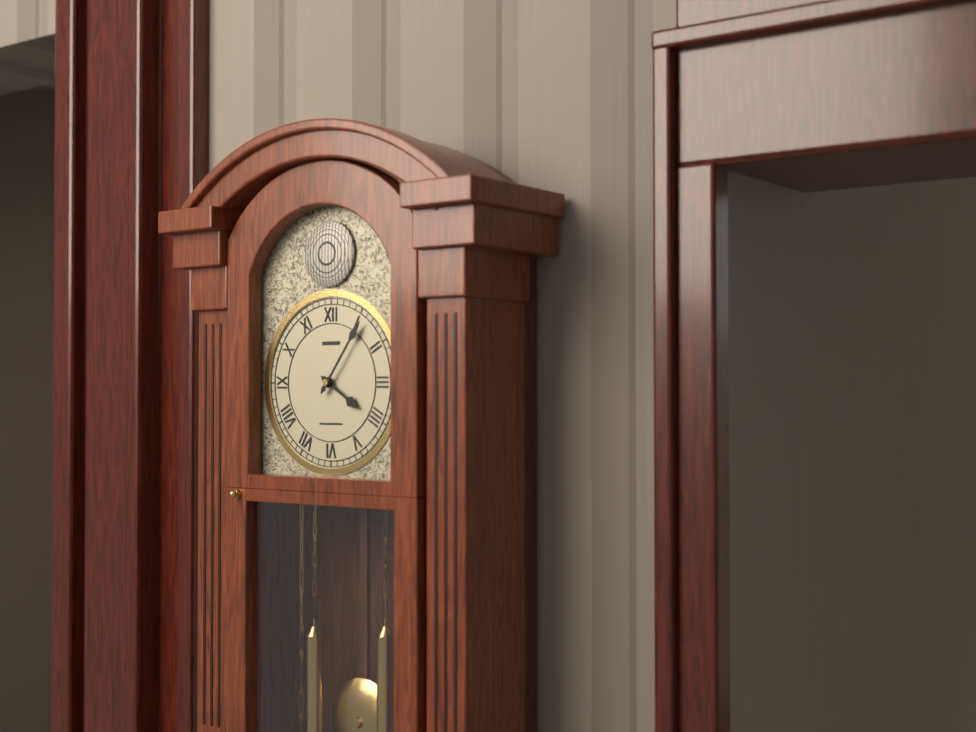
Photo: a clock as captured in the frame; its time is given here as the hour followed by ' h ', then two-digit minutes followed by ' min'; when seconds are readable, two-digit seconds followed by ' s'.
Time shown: 4 h 06 min
